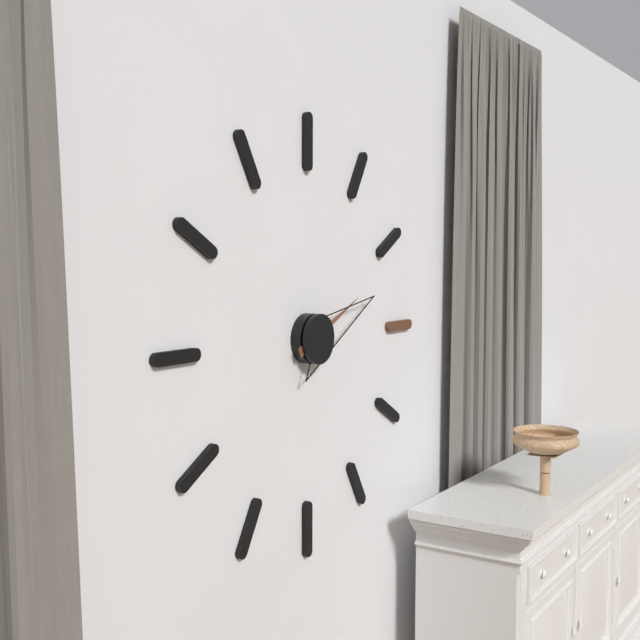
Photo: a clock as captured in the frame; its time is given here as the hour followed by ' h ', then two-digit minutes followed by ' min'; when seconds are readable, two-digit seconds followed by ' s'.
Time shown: 2 h 12 min
